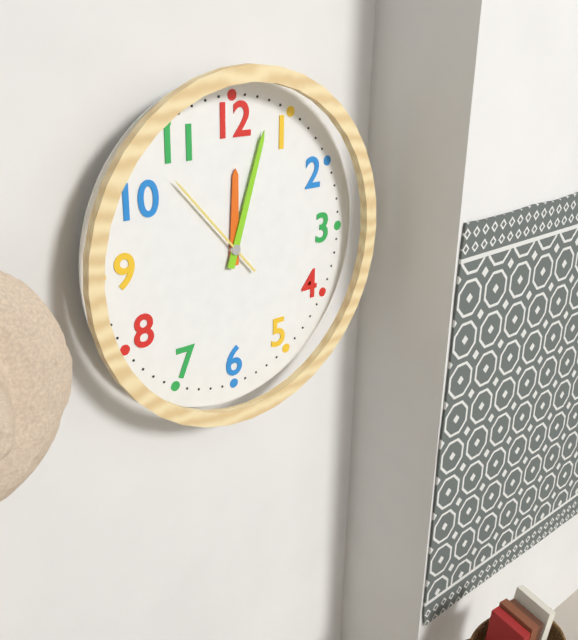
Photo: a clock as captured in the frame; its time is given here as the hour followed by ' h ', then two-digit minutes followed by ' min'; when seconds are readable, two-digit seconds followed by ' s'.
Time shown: 12 h 03 min 53 s
